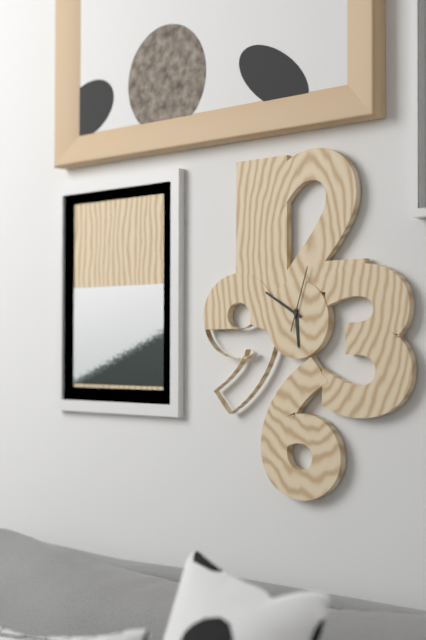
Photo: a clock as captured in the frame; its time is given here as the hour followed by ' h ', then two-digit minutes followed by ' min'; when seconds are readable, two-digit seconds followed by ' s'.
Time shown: 5 h 50 min 03 s
